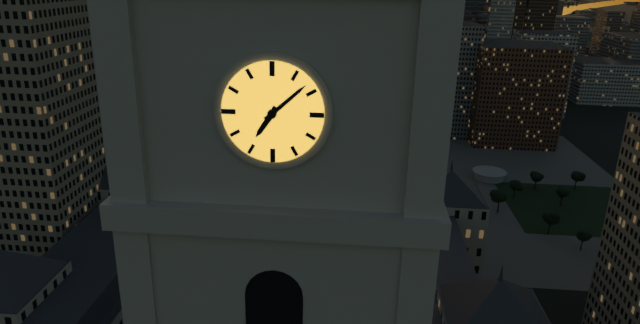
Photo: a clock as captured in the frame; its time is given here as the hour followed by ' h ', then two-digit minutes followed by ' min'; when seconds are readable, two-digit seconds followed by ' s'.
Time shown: 7 h 08 min
